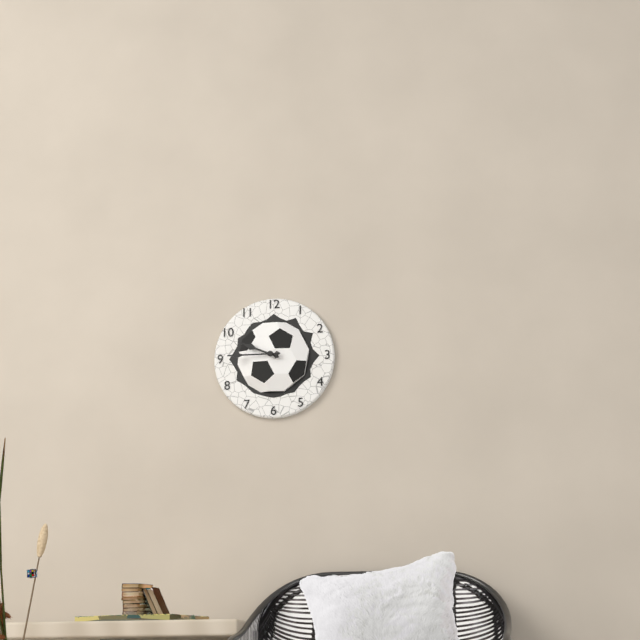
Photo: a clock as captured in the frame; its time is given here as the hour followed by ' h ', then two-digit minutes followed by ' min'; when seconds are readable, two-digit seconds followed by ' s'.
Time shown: 9 h 45 min
